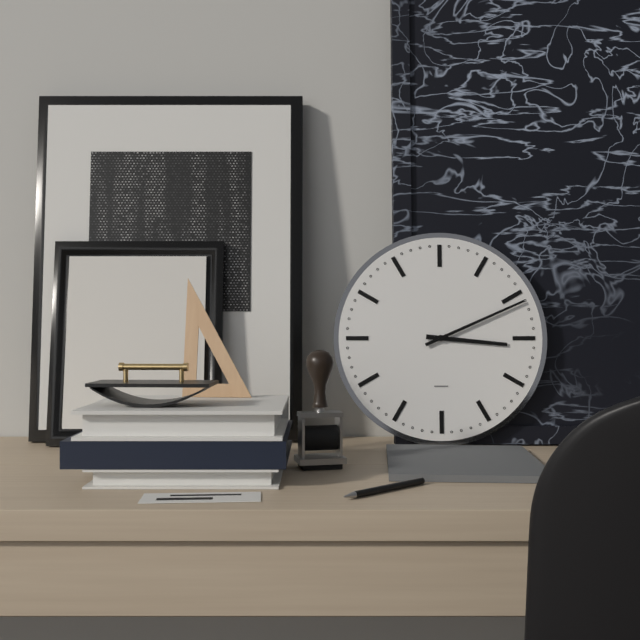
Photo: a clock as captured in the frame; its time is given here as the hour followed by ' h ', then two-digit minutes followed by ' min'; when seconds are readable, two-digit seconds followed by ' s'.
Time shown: 3 h 11 min
